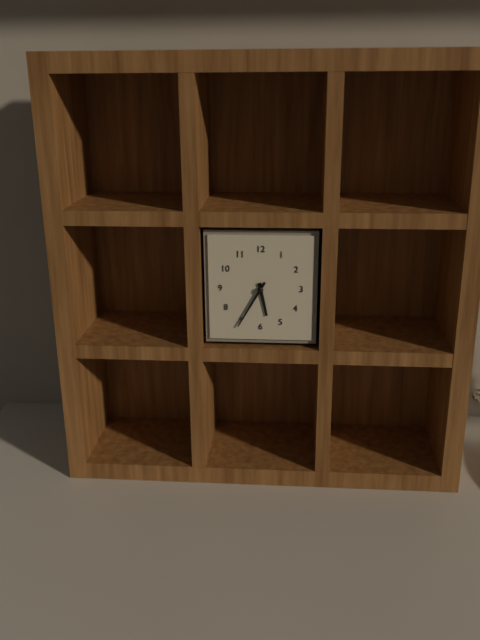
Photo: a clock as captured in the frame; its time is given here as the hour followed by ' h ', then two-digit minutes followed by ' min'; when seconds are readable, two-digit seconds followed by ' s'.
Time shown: 5 h 35 min
